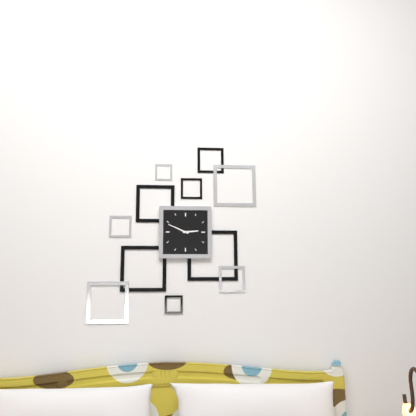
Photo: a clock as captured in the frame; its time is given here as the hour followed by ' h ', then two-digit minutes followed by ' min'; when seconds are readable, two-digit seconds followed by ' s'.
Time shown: 2 h 49 min
